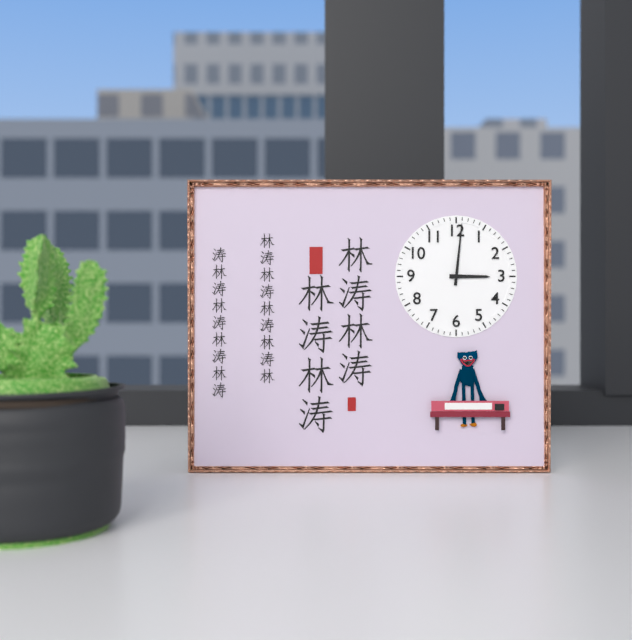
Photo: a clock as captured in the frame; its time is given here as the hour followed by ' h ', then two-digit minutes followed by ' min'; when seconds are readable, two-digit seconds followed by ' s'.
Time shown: 3 h 01 min
